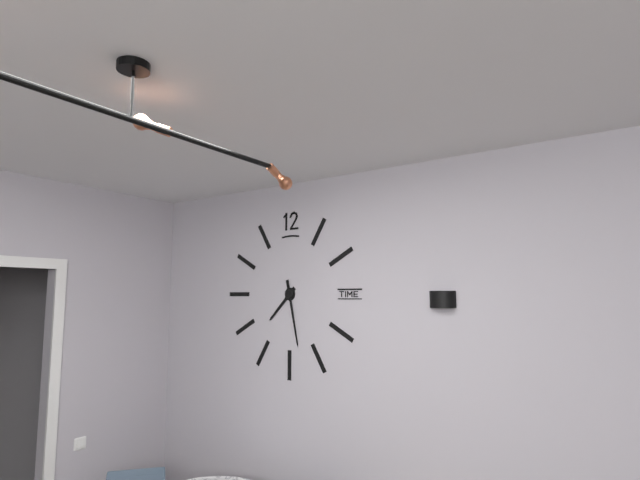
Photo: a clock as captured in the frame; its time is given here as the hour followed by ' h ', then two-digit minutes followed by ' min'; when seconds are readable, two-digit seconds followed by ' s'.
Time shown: 7 h 28 min
